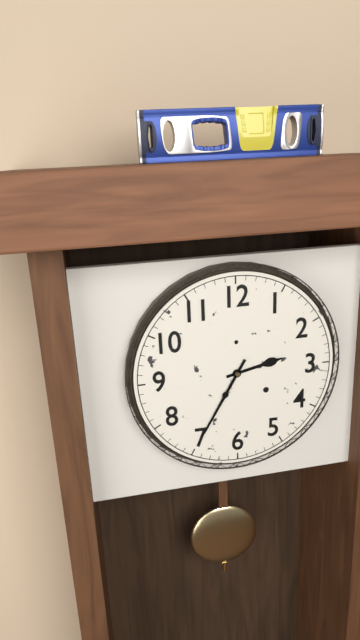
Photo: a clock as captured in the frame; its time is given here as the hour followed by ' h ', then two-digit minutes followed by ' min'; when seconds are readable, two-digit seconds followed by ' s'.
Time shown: 2 h 35 min
